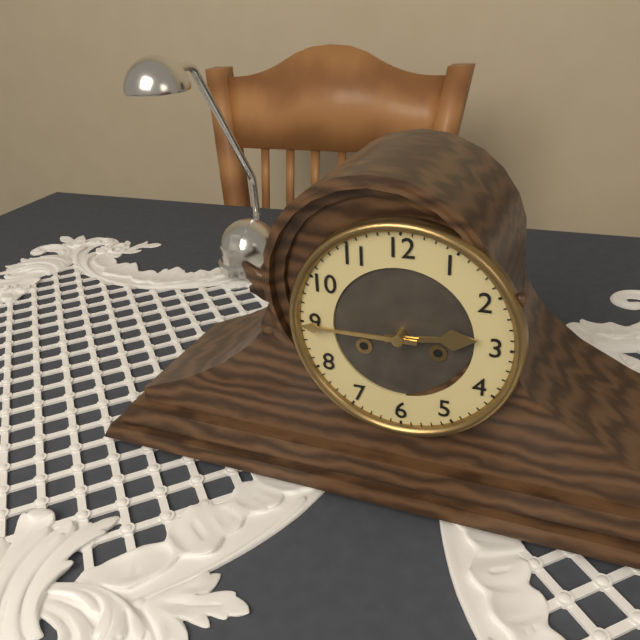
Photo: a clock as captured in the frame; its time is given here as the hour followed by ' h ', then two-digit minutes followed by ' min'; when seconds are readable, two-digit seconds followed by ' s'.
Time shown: 2 h 45 min
